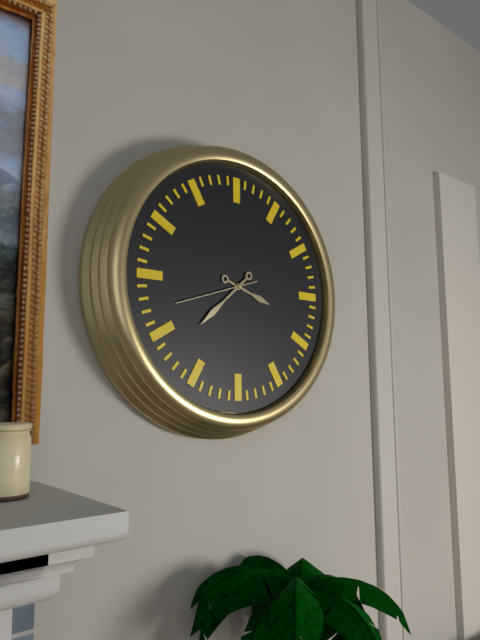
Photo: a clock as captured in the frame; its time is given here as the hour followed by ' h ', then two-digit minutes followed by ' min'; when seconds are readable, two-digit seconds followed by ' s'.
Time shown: 3 h 38 min
